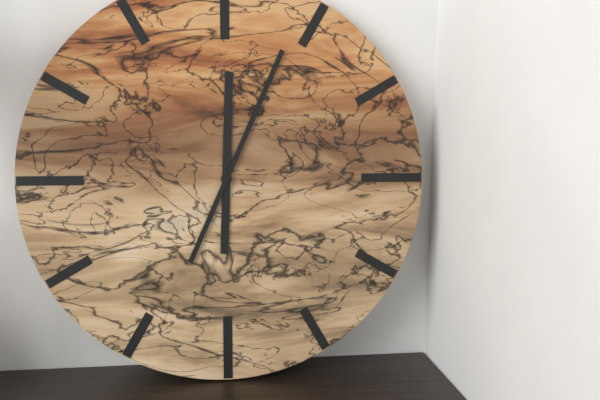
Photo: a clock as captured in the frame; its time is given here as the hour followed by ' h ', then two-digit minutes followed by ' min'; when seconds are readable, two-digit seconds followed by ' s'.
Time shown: 12 h 04 min
